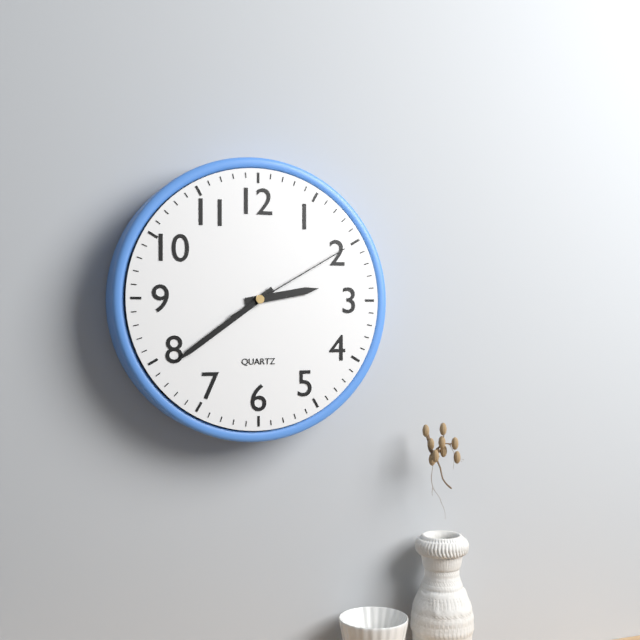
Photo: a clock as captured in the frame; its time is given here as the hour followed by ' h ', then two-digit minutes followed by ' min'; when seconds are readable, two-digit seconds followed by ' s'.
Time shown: 2 h 39 min 10 s
